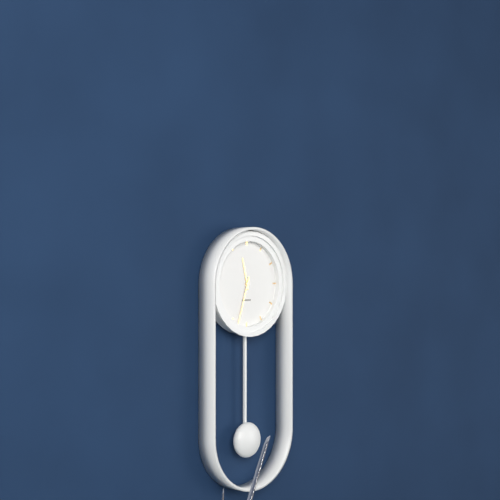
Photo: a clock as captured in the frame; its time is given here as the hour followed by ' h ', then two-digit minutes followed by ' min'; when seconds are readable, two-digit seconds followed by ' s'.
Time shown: 11 h 33 min
